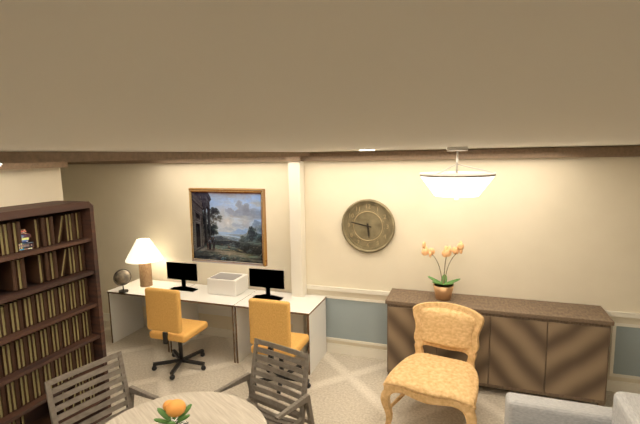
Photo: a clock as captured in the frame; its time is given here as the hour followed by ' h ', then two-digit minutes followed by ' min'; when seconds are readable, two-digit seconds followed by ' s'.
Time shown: 5 h 47 min
